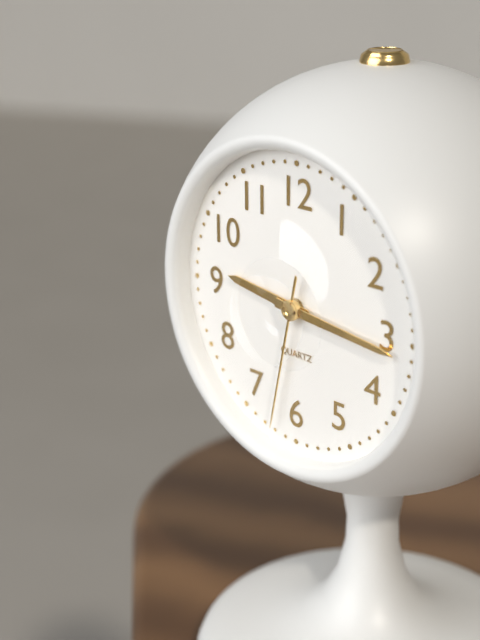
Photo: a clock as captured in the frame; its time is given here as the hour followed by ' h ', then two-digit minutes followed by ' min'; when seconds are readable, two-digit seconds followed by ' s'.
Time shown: 9 h 16 min 32 s
